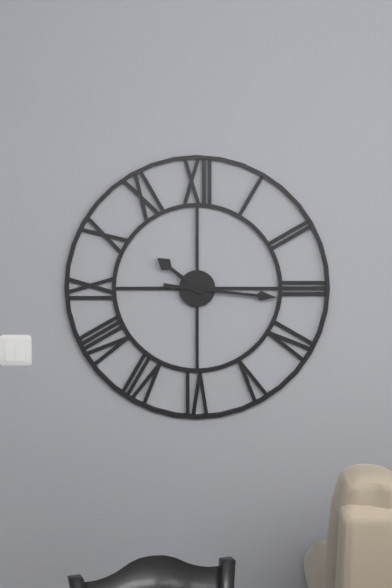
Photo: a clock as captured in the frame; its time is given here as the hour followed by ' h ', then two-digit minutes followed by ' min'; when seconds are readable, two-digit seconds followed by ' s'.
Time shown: 10 h 16 min
